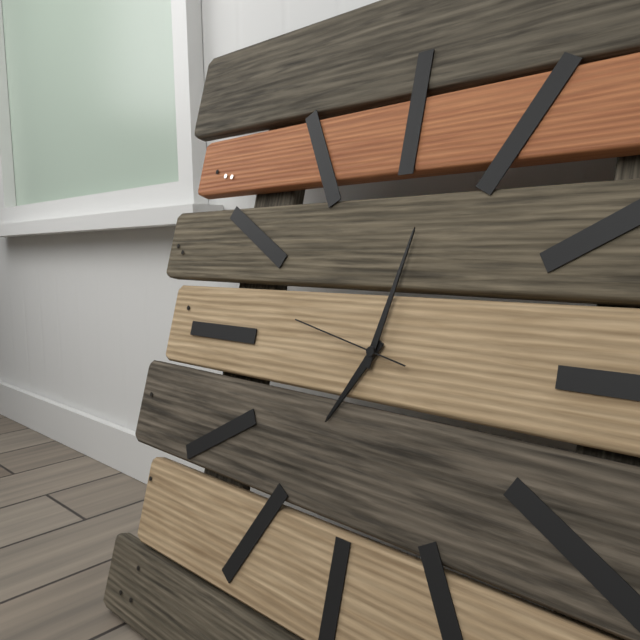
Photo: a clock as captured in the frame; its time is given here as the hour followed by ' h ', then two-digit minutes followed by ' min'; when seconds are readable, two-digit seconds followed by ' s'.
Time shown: 7 h 02 min 47 s
